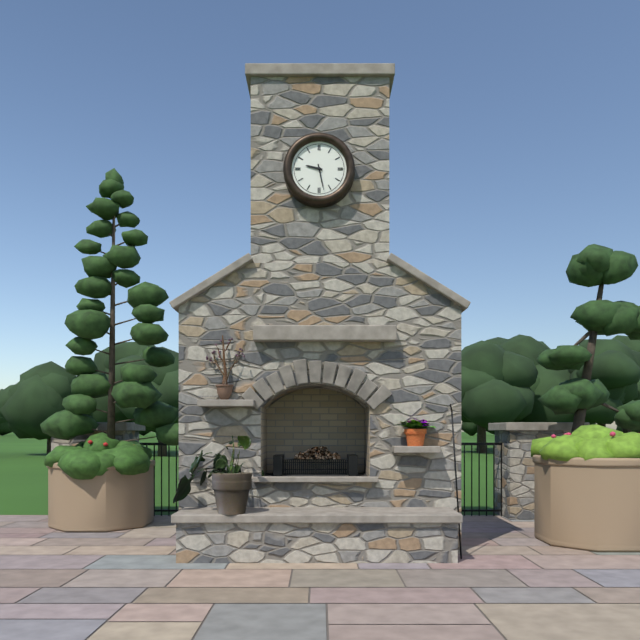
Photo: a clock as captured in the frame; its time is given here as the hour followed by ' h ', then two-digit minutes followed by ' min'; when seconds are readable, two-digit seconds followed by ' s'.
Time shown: 9 h 28 min
